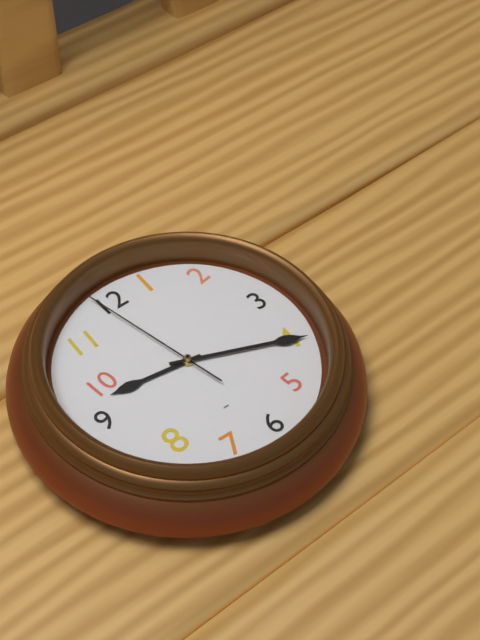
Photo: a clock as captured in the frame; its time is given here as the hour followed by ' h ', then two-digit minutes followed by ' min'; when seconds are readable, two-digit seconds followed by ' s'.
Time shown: 9 h 19 min 58 s
